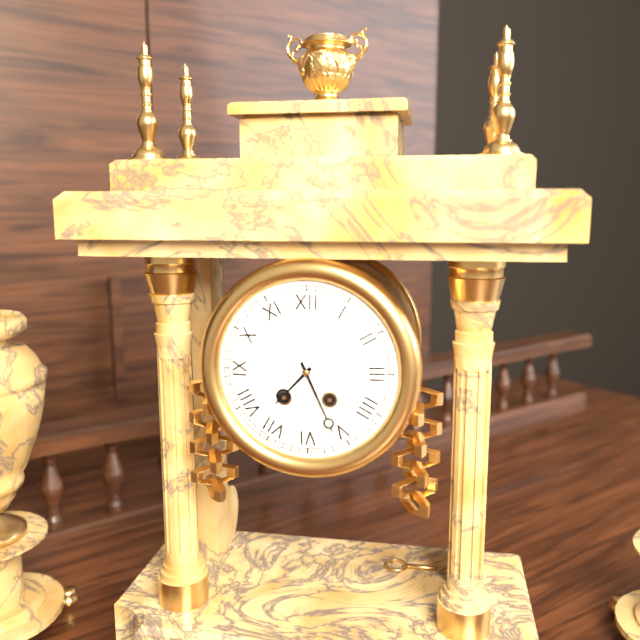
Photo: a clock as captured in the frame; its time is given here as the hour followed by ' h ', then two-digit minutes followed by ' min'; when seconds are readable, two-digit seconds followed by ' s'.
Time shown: 7 h 26 min
